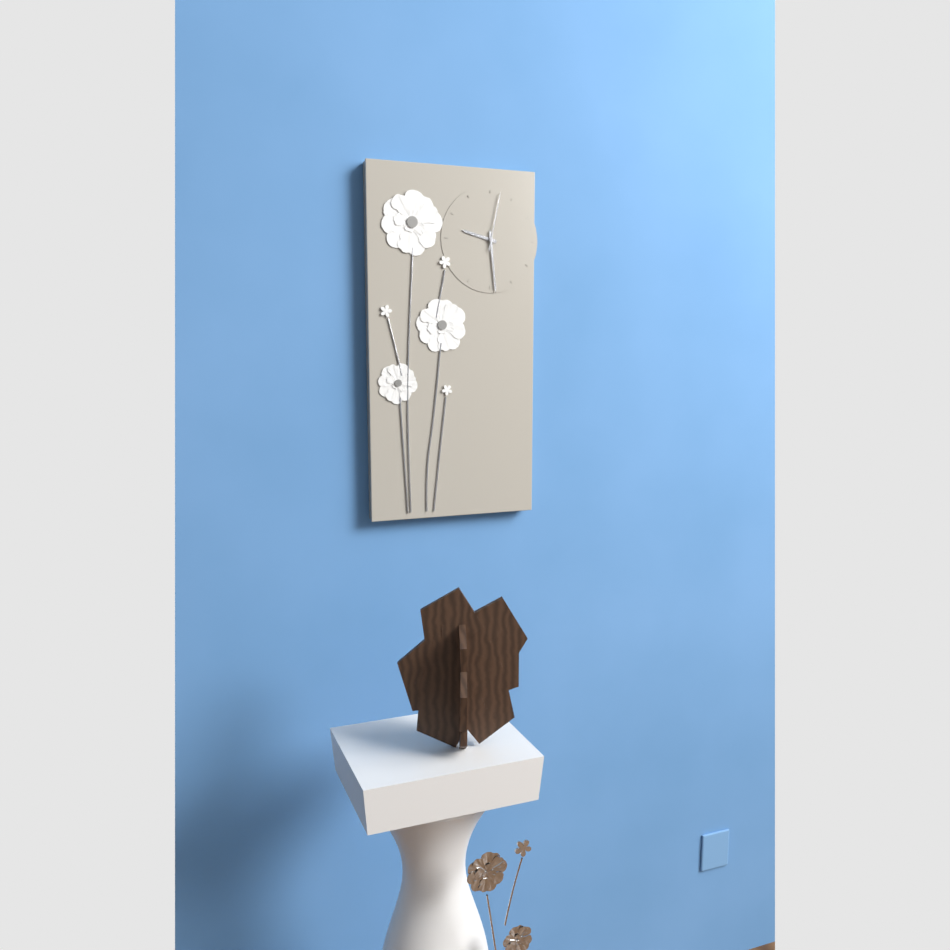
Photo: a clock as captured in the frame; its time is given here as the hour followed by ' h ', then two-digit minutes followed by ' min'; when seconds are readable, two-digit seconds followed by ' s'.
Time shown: 9 h 29 min 02 s
